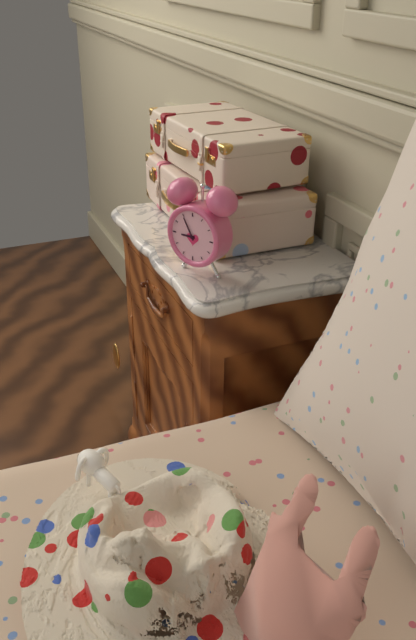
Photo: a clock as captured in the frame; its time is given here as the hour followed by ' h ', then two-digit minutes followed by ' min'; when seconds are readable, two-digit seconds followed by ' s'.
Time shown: 8 h 55 min
